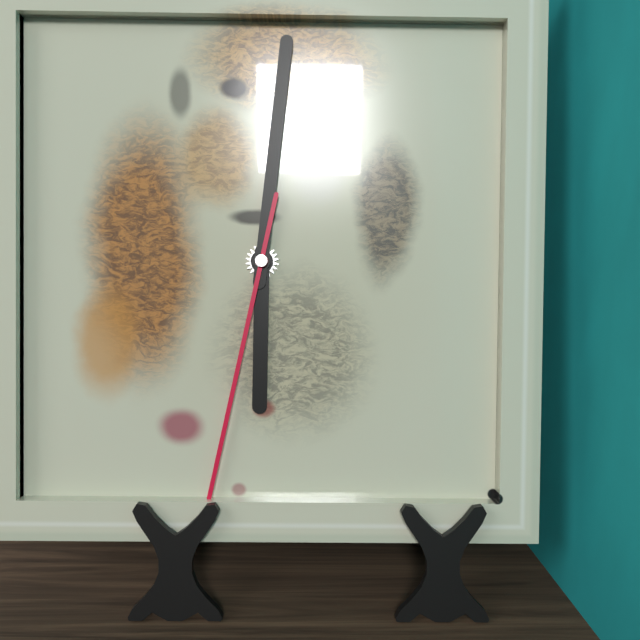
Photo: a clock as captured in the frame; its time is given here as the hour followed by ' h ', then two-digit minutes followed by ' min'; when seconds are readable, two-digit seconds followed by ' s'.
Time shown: 6 h 01 min 32 s
